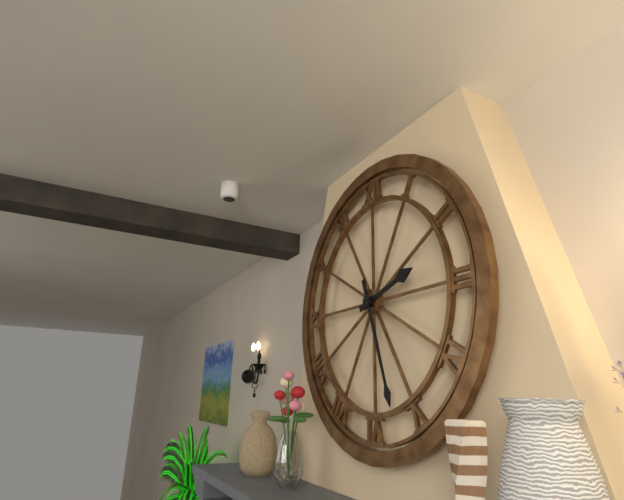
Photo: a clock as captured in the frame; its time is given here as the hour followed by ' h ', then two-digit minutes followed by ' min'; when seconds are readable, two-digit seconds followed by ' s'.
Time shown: 2 h 27 min
